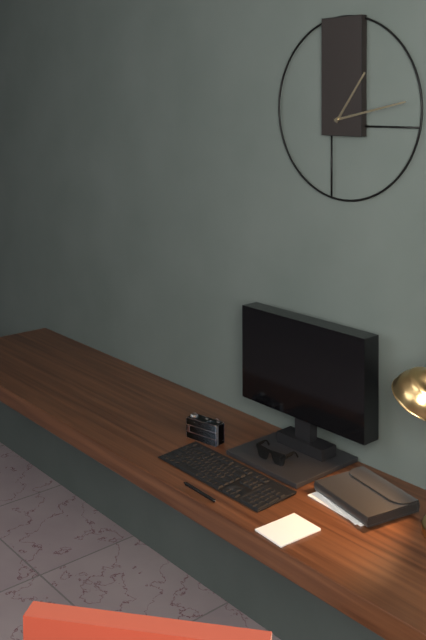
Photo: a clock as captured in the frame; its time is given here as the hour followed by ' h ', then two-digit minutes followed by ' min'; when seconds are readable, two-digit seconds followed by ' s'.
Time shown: 1 h 13 min
